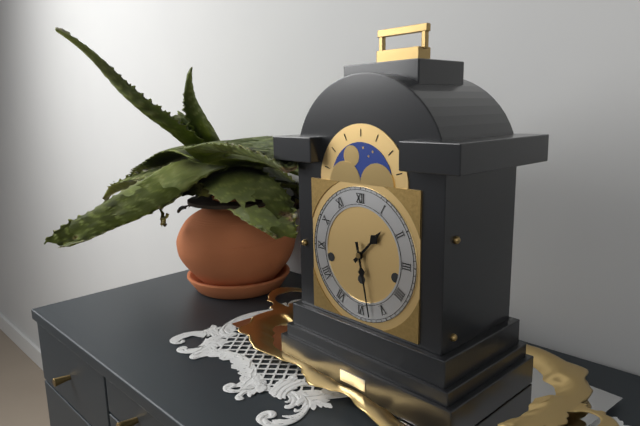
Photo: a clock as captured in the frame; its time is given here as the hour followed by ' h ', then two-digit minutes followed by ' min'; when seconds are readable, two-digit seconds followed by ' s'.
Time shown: 1 h 28 min
